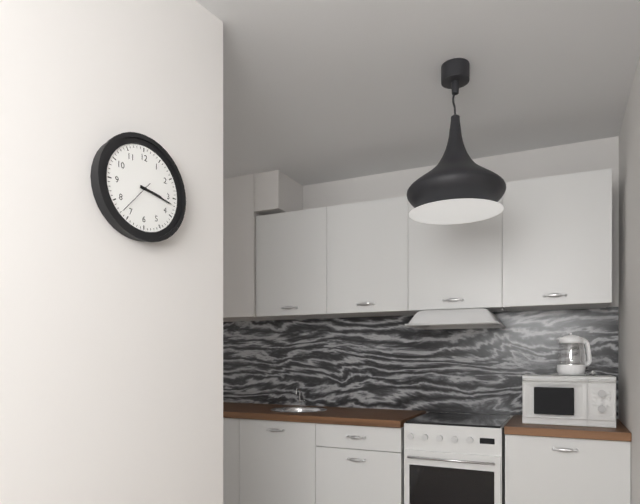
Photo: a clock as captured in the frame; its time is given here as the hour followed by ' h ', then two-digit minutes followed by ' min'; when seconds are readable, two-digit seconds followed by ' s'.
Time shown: 3 h 17 min
